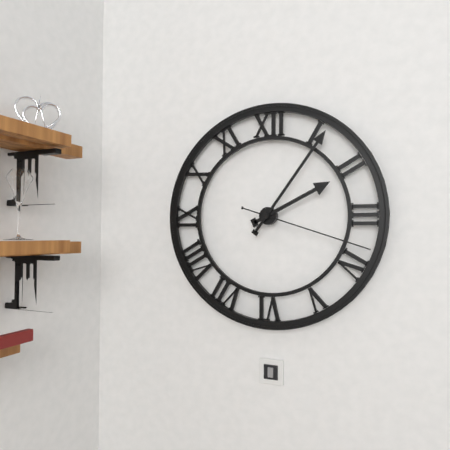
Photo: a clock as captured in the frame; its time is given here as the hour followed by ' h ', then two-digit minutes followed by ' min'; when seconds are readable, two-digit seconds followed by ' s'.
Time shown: 2 h 06 min 18 s
